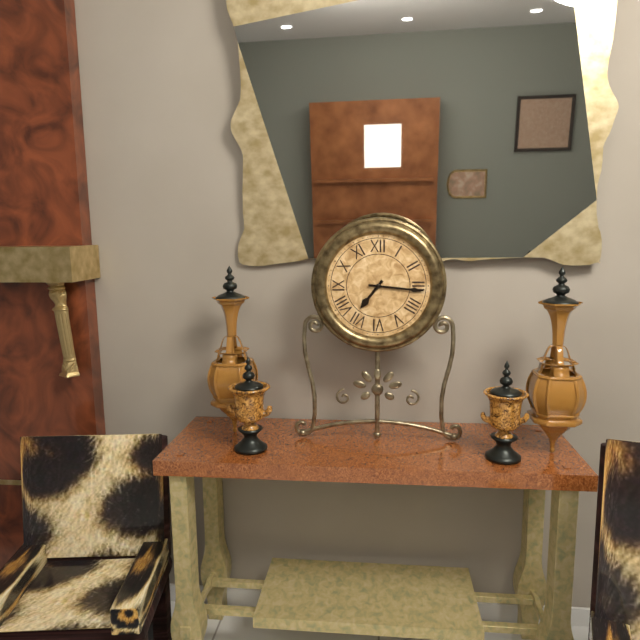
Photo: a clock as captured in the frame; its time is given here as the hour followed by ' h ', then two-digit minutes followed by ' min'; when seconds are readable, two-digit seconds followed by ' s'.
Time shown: 7 h 16 min
